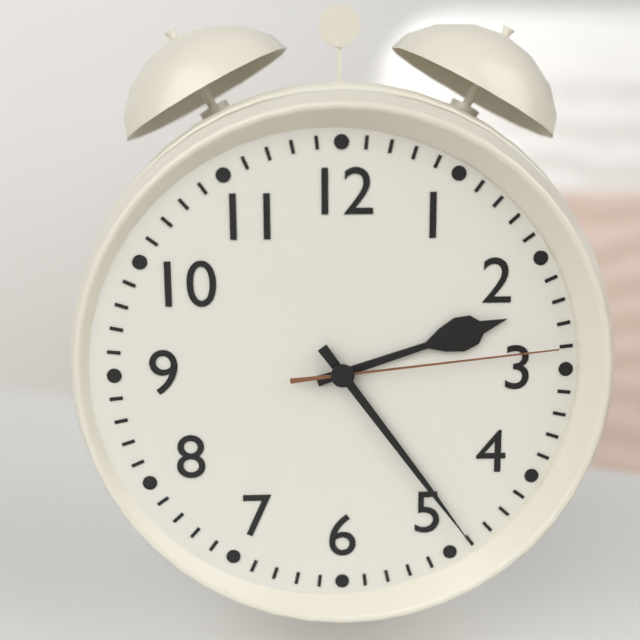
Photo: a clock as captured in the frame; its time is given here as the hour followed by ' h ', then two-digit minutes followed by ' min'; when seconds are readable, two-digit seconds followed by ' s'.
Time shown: 2 h 24 min 14 s
